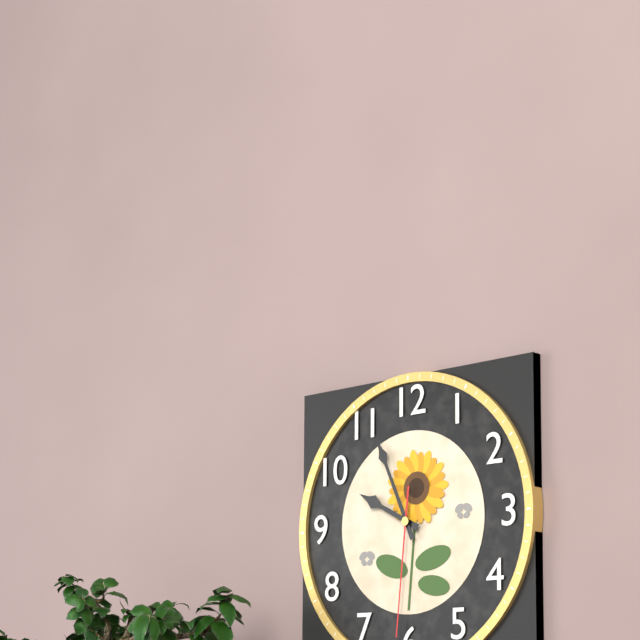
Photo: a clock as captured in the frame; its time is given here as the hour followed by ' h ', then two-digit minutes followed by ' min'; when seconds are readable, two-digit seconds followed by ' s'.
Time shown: 9 h 56 min 31 s
